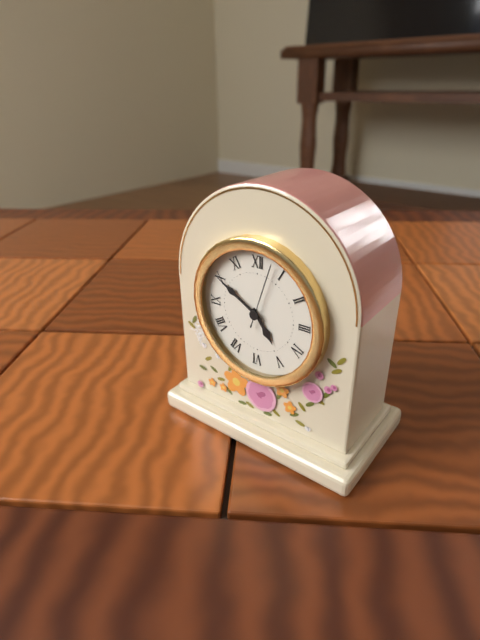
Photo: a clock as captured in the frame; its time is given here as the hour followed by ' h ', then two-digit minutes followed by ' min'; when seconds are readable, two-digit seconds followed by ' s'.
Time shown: 4 h 50 min 03 s
